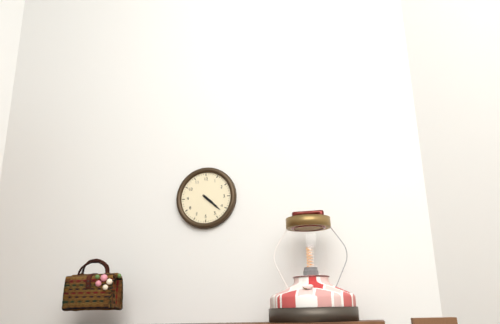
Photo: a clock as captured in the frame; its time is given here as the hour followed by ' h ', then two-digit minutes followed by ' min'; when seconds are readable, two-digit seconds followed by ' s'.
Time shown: 4 h 22 min
